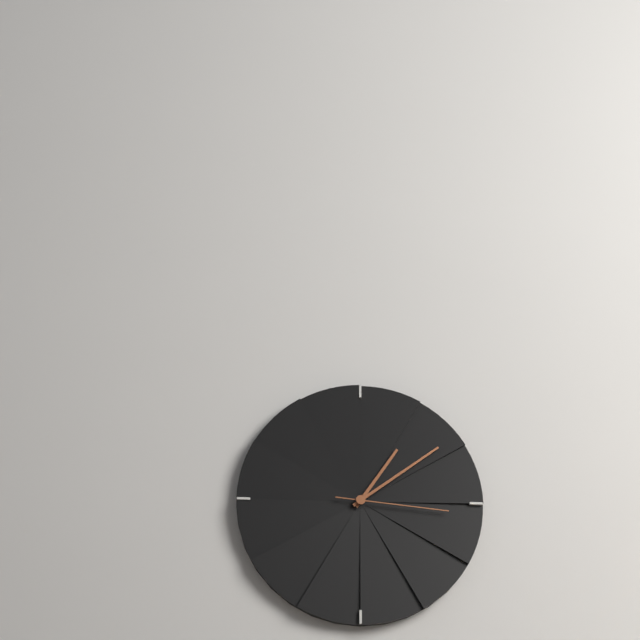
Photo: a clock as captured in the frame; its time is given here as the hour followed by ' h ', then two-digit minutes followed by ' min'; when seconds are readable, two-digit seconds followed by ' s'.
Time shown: 1 h 09 min 16 s
